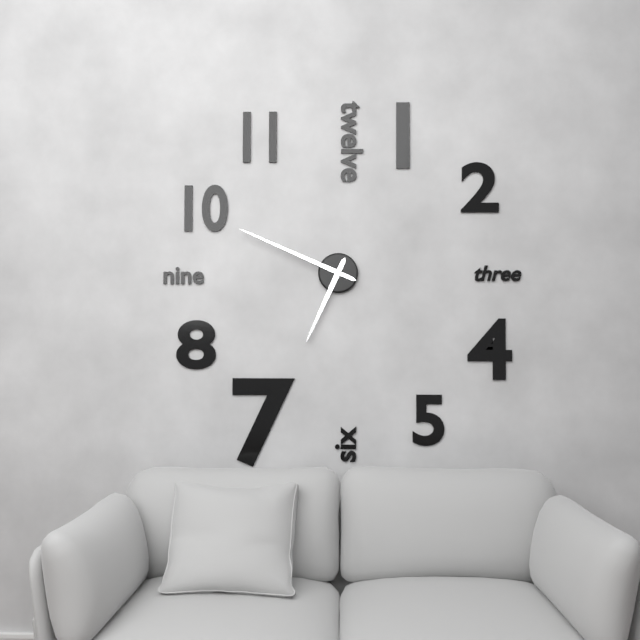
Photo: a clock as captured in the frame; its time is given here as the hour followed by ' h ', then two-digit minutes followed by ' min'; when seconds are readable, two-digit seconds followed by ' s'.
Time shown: 6 h 49 min
